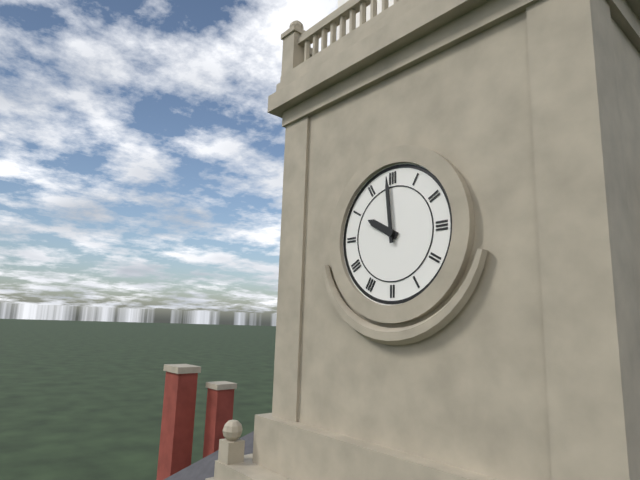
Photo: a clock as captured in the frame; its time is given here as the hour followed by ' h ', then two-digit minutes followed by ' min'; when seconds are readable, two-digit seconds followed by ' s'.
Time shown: 9 h 59 min
